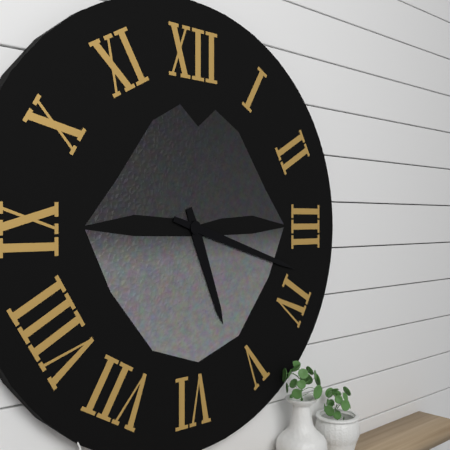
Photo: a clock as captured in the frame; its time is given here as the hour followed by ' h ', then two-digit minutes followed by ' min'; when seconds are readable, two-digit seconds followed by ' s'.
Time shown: 5 h 18 min
